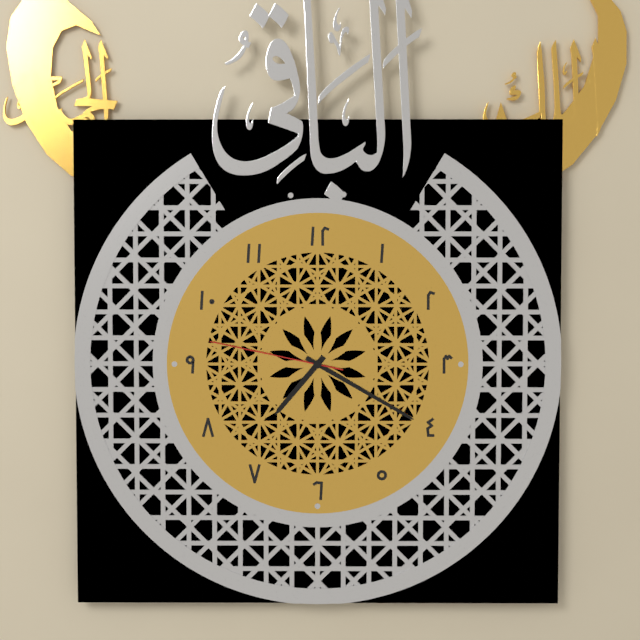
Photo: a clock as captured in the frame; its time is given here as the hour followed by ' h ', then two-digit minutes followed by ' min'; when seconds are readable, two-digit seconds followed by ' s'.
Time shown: 7 h 20 min 47 s
